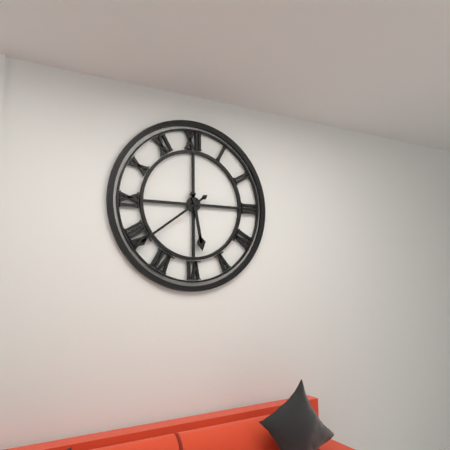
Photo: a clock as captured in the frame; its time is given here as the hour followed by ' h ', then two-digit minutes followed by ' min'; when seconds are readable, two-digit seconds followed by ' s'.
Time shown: 5 h 39 min
